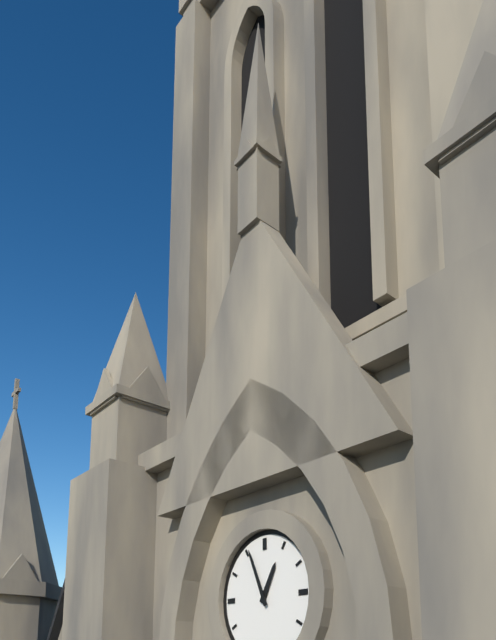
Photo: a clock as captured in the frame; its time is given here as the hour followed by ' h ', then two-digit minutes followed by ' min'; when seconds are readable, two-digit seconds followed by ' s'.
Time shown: 12 h 56 min
